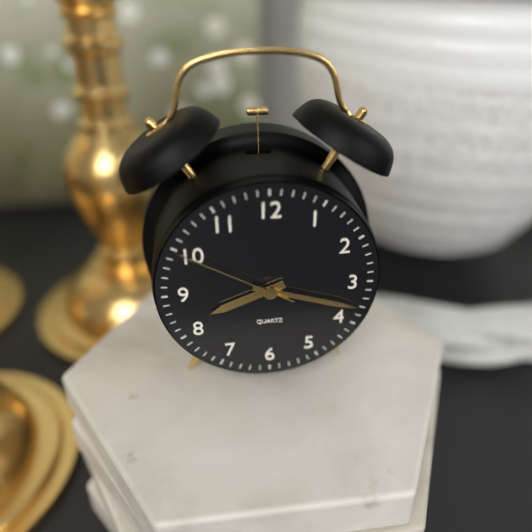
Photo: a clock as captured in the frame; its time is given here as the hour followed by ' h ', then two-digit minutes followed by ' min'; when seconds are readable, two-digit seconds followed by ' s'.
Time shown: 8 h 18 min 50 s
